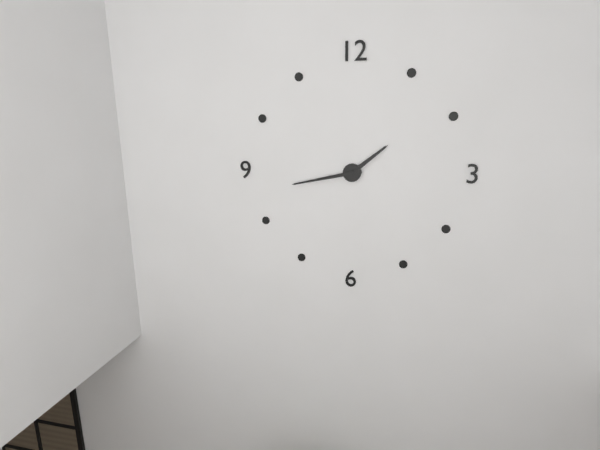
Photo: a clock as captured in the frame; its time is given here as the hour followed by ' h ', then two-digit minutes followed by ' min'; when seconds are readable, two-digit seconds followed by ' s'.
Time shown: 1 h 43 min
